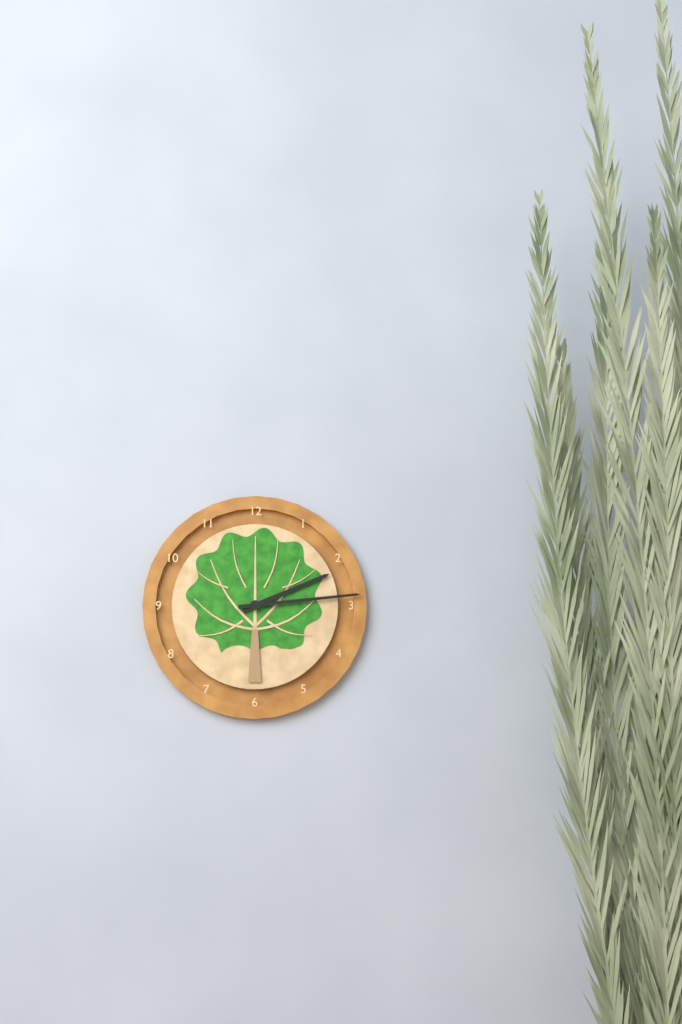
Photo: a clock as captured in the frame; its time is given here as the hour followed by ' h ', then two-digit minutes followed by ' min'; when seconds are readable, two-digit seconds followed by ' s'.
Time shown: 2 h 14 min
